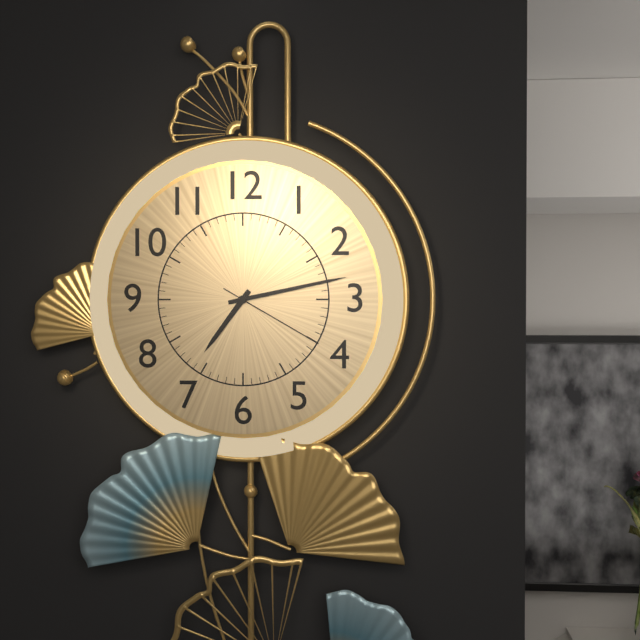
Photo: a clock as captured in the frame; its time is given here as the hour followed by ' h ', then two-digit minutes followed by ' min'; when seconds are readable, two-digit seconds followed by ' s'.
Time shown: 7 h 13 min 20 s
